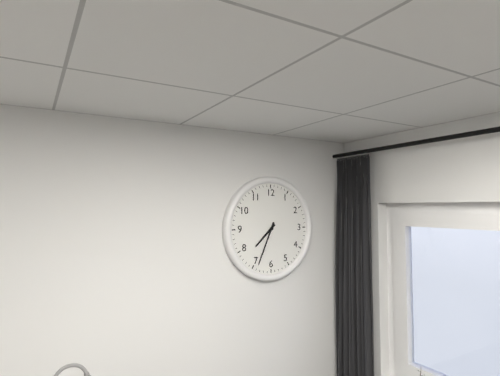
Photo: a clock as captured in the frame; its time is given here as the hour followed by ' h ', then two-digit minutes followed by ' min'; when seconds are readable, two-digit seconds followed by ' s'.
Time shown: 7 h 34 min
